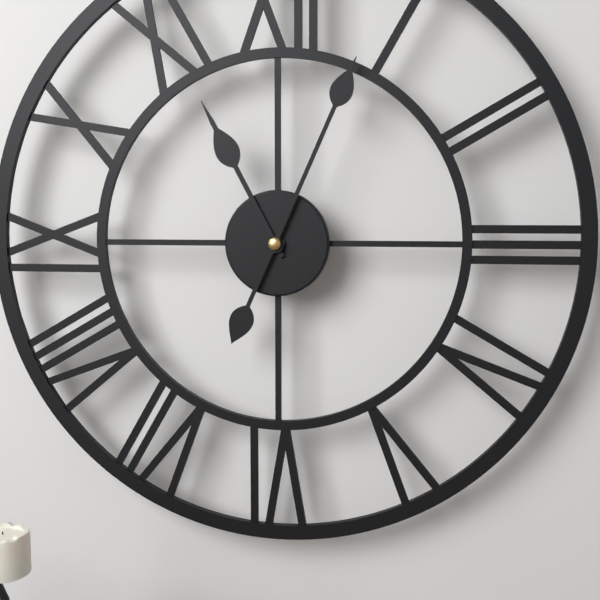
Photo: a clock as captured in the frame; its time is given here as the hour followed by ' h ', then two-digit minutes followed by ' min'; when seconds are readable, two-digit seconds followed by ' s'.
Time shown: 11 h 04 min
